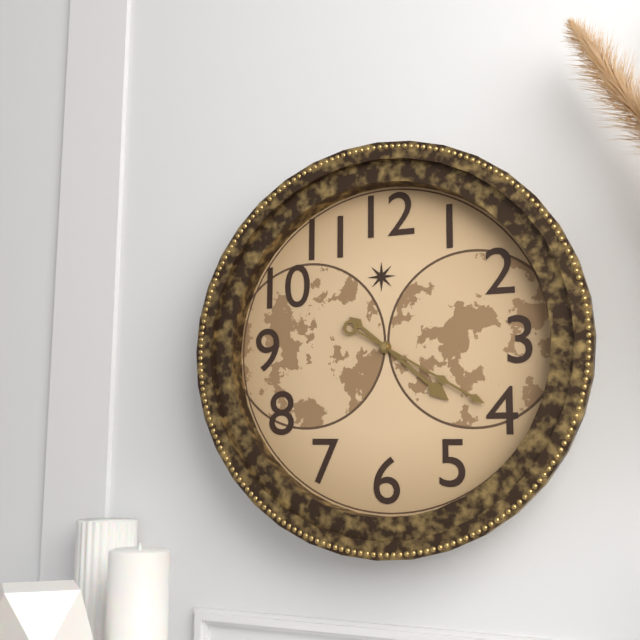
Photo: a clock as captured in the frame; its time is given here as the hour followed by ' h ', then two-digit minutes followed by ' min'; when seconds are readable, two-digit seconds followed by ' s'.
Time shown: 4 h 20 min
